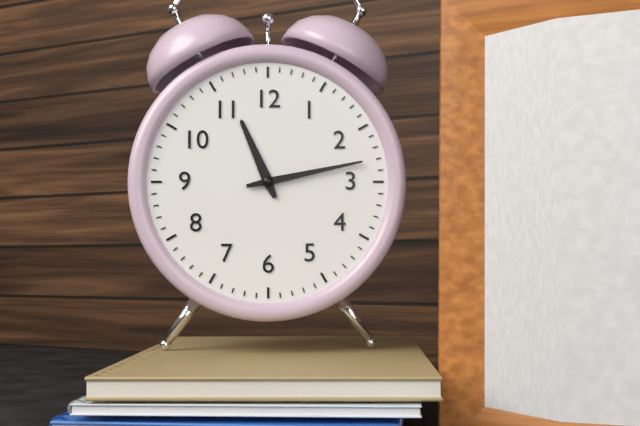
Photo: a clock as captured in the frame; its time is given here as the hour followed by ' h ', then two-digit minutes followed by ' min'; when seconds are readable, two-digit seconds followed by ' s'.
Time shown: 11 h 13 min
